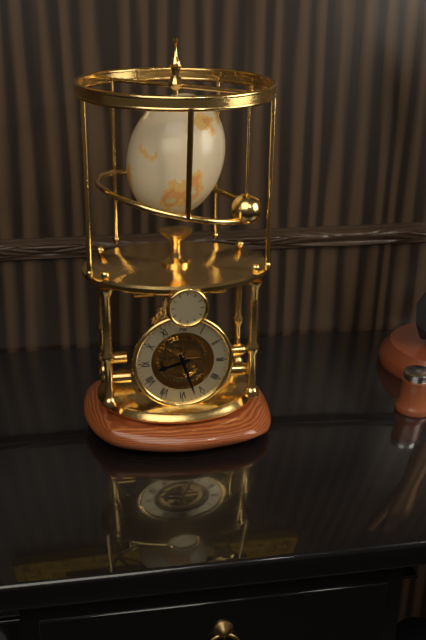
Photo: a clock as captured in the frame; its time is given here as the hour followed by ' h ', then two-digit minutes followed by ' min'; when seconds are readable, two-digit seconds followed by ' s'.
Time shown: 8 h 27 min
